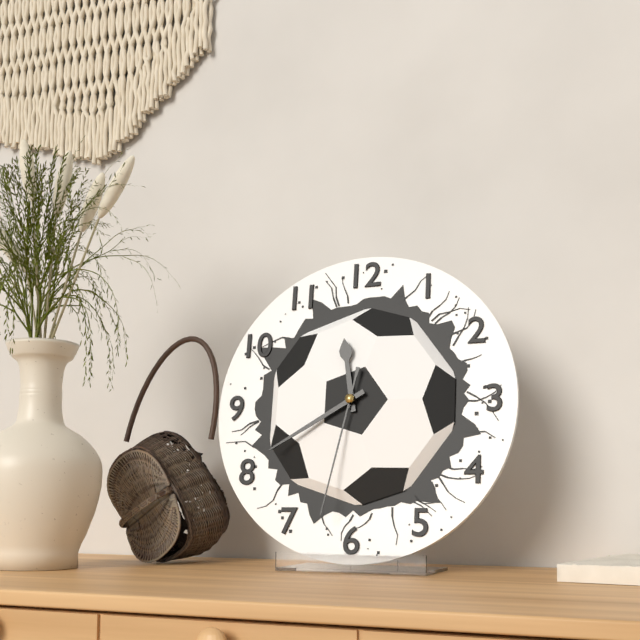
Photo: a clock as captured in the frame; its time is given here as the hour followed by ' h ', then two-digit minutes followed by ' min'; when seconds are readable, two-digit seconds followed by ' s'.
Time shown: 11 h 40 min 32 s
